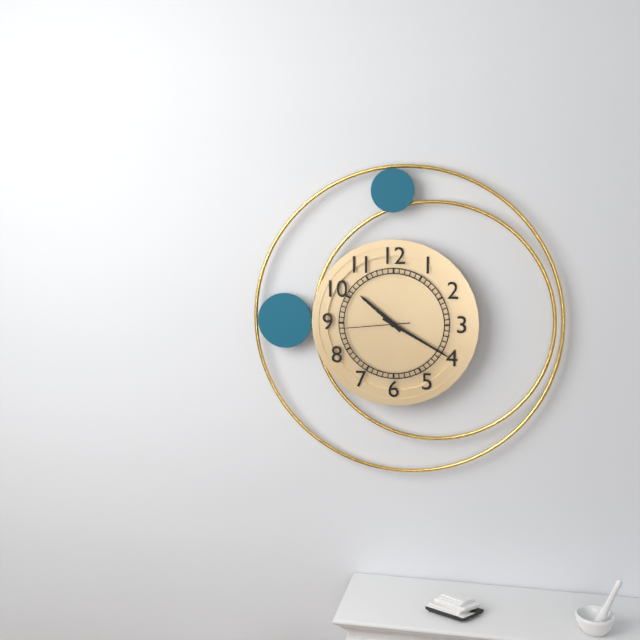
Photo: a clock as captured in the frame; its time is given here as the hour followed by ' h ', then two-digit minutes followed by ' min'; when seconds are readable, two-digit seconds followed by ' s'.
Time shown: 10 h 20 min 44 s
